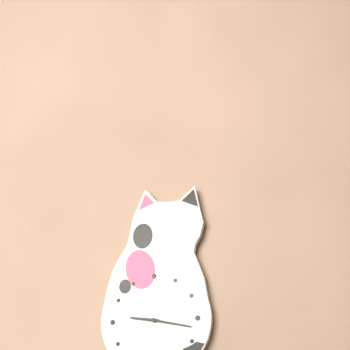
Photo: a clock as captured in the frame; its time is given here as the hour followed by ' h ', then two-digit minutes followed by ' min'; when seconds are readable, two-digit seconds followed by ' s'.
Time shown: 9 h 17 min
